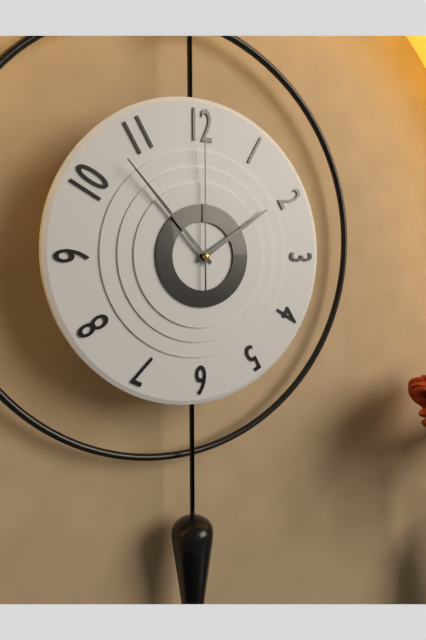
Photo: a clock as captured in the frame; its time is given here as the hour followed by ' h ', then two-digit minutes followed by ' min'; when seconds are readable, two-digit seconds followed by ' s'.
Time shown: 1 h 53 min 00 s
